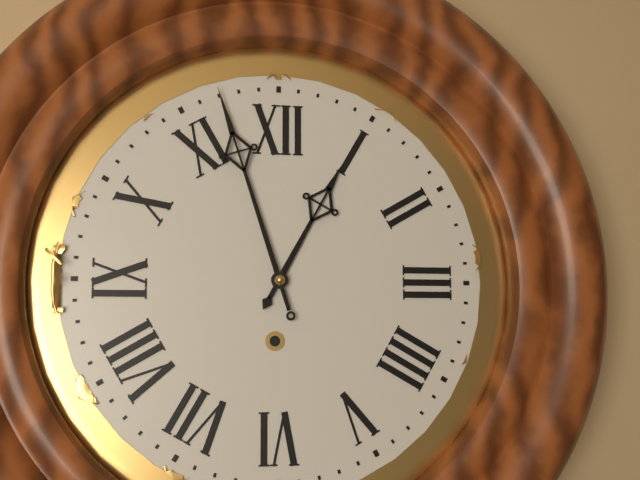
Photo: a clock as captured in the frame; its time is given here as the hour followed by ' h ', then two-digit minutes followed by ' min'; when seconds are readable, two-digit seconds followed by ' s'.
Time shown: 12 h 57 min
